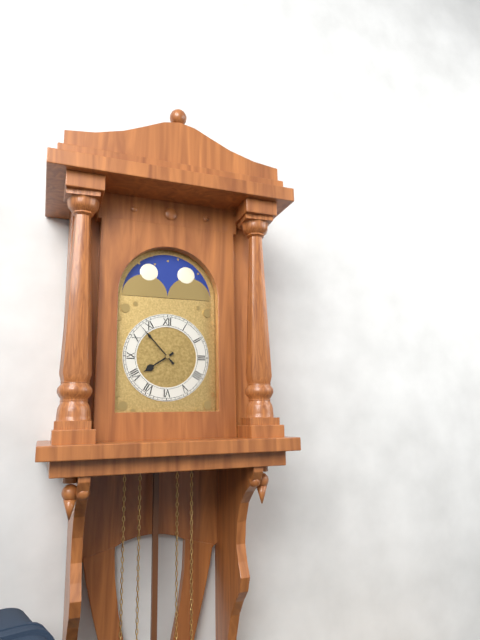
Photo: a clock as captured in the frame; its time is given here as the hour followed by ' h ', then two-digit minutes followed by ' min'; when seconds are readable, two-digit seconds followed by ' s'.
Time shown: 7 h 53 min
